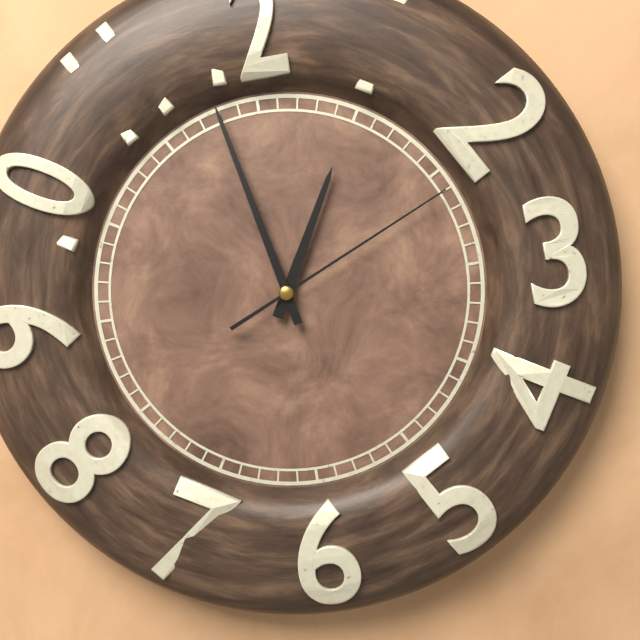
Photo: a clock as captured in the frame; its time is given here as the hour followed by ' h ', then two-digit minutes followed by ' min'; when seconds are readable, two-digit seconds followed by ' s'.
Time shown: 12 h 58 min 11 s
